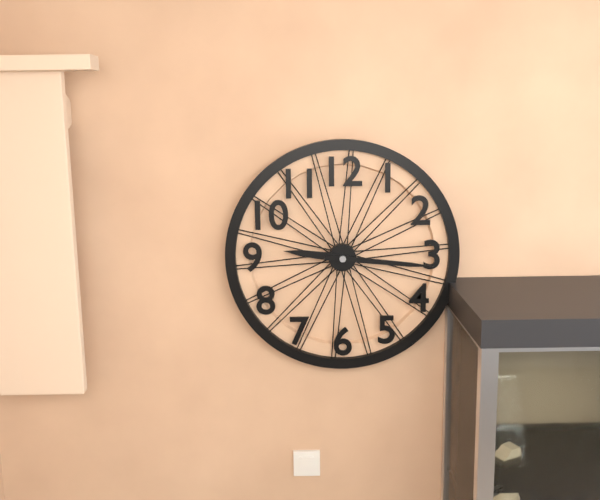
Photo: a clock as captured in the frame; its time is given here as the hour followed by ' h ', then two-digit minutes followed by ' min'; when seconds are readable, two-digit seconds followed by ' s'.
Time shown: 9 h 16 min
